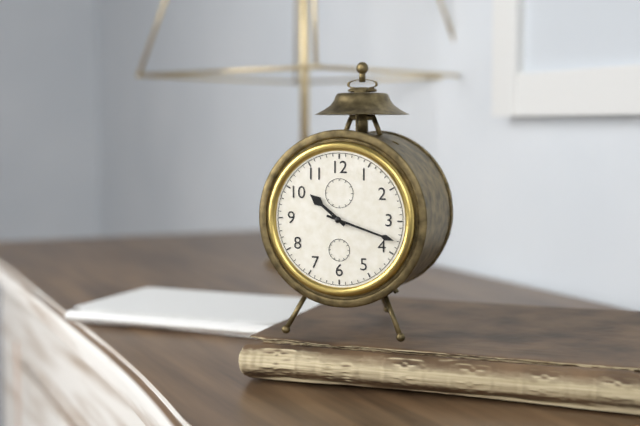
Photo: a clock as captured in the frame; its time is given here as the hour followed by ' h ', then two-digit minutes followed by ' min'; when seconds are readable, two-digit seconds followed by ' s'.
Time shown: 10 h 18 min
